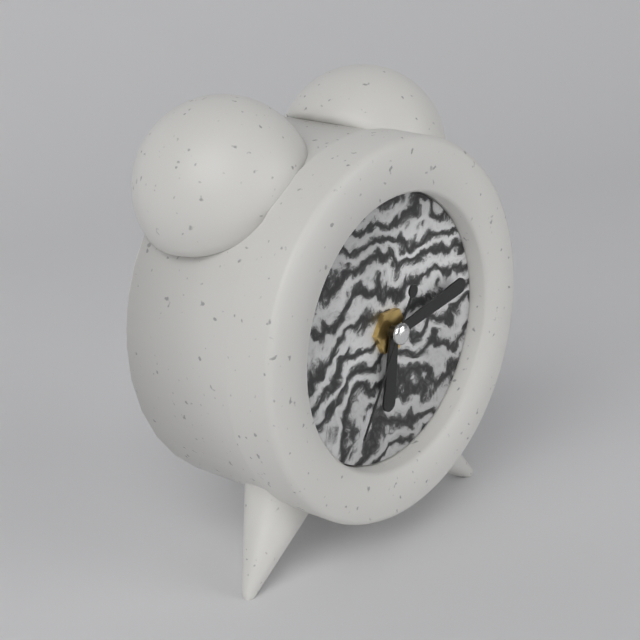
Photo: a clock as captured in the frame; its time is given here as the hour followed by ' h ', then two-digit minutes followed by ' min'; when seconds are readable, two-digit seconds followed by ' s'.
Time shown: 6 h 13 min 35 s
